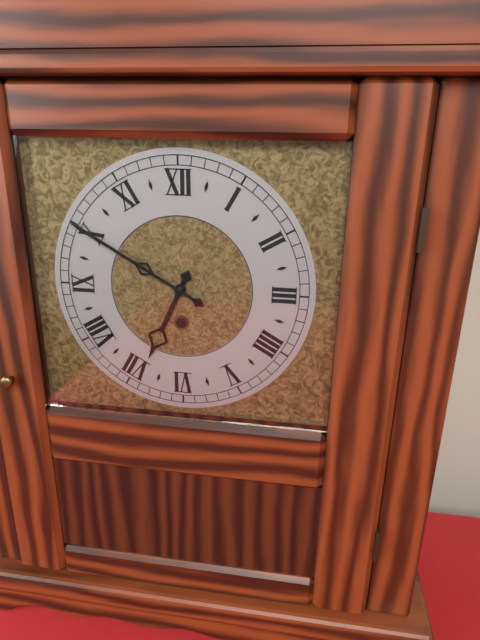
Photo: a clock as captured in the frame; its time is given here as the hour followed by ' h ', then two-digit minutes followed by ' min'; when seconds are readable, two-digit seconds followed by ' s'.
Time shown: 6 h 50 min
